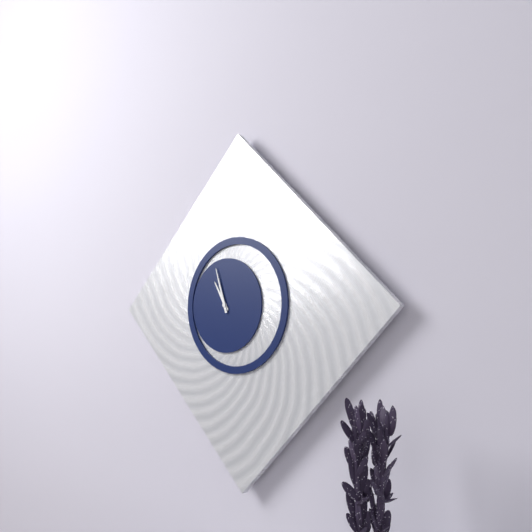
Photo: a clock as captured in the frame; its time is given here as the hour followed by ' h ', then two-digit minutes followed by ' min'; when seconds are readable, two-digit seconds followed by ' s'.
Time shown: 10 h 57 min
